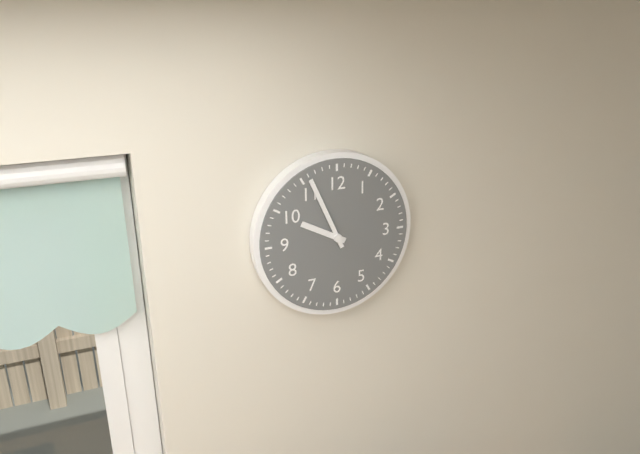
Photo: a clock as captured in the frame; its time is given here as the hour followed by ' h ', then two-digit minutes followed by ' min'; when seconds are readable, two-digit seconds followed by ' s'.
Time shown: 9 h 56 min
